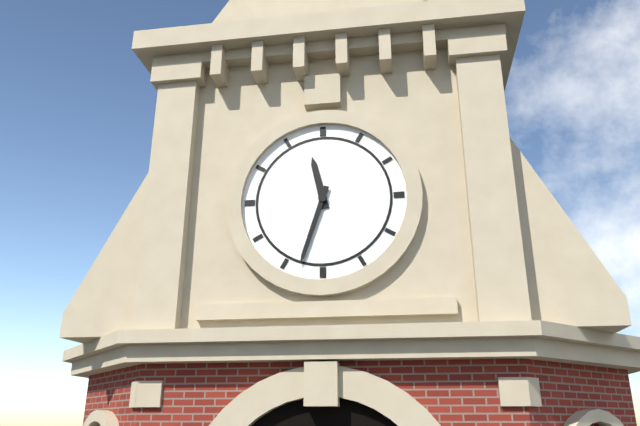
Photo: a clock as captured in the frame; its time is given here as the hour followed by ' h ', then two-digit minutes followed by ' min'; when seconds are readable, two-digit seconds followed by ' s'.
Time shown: 11 h 33 min
